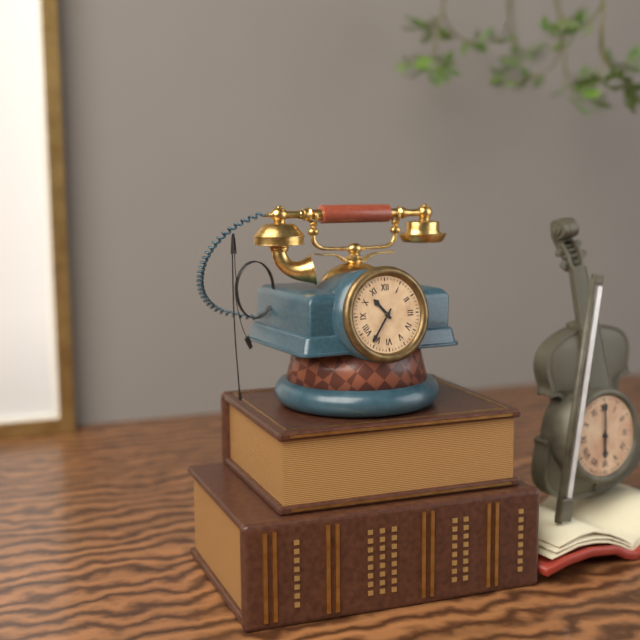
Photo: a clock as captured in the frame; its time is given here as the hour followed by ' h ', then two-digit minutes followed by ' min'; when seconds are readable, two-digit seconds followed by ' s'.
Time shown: 10 h 36 min
